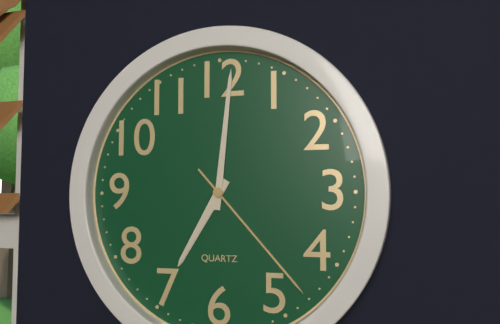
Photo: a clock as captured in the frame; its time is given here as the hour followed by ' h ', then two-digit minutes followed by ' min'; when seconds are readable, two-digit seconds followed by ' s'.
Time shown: 7 h 01 min 23 s
